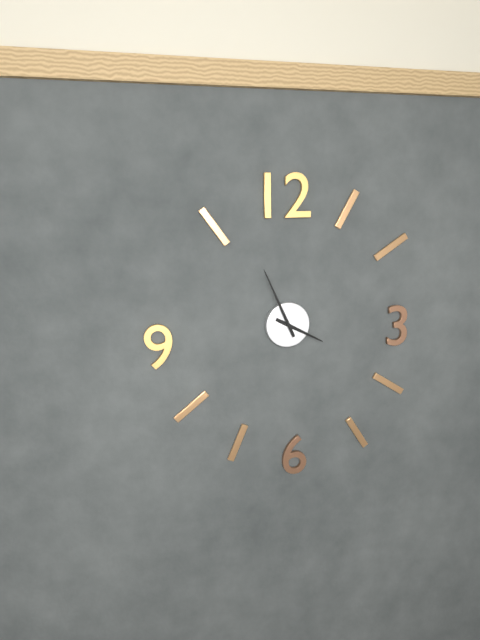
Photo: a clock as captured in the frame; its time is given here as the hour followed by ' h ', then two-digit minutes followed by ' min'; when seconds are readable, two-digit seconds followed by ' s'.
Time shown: 3 h 56 min
